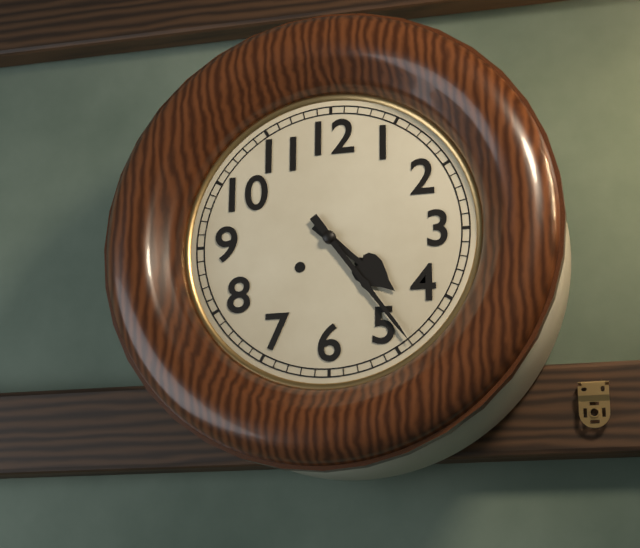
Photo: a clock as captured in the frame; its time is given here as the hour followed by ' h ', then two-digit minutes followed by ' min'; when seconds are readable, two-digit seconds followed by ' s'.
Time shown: 4 h 24 min
